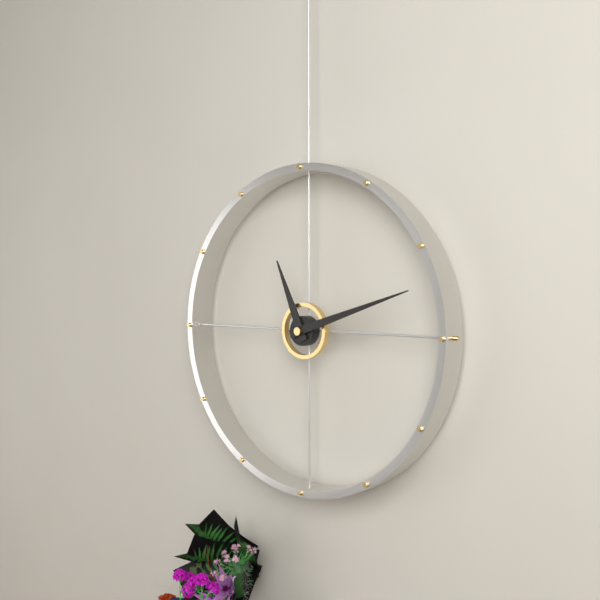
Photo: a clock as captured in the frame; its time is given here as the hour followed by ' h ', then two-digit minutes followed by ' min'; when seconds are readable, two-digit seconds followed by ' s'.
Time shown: 11 h 12 min
